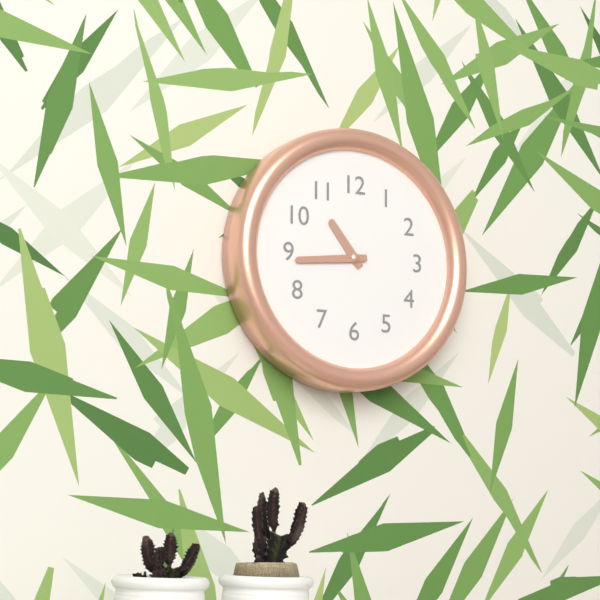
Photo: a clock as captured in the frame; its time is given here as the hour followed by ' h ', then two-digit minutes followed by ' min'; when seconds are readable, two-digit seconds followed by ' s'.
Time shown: 10 h 44 min
